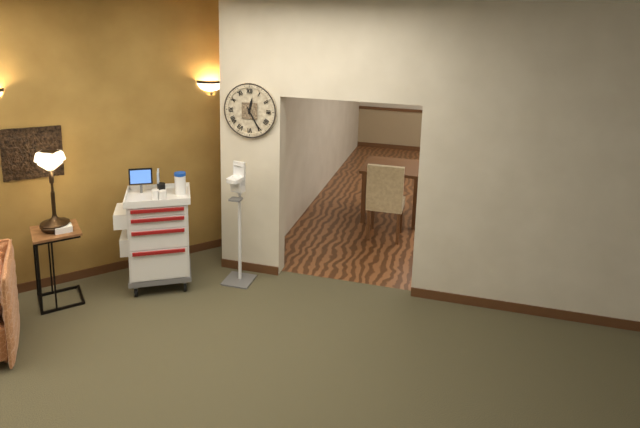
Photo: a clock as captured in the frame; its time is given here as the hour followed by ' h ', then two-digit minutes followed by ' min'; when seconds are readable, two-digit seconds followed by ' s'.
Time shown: 12 h 25 min
